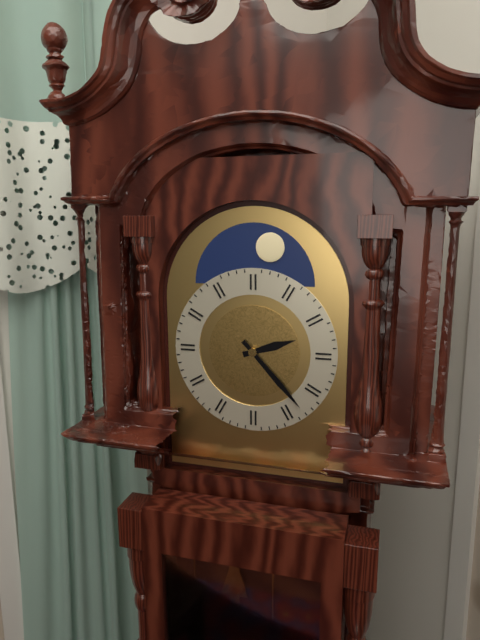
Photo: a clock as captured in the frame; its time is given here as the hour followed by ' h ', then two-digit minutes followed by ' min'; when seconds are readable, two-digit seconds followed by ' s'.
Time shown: 2 h 23 min
